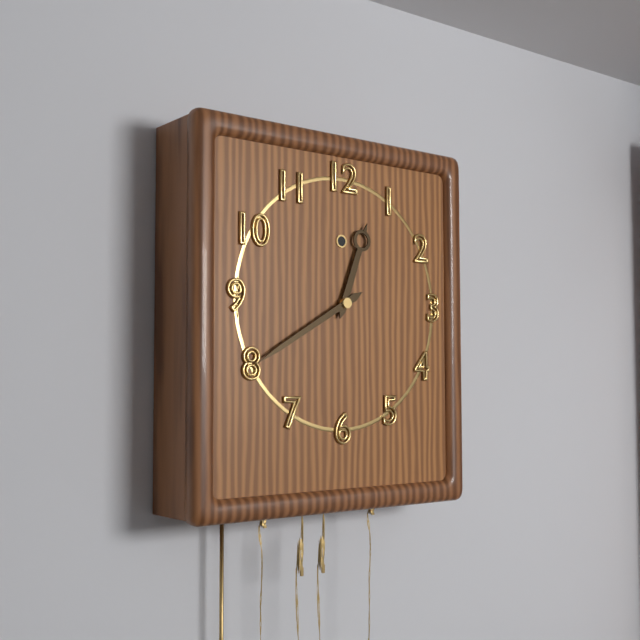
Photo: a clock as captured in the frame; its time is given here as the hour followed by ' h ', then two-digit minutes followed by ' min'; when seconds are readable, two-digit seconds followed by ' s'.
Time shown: 12 h 40 min
